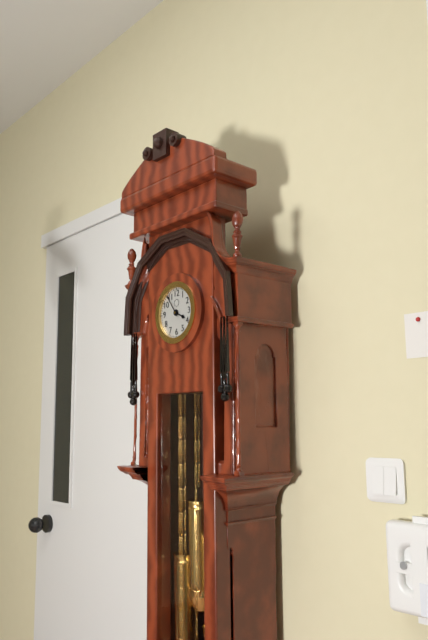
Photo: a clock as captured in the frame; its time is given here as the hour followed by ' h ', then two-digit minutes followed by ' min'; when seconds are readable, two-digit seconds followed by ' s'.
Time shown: 3 h 54 min
